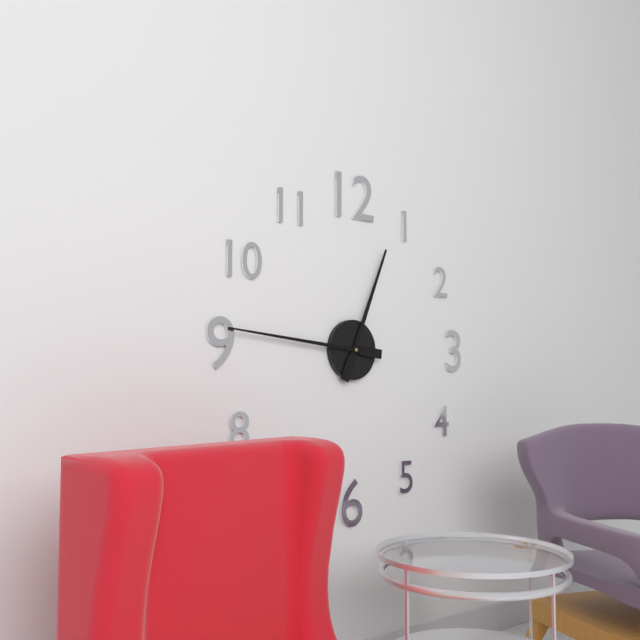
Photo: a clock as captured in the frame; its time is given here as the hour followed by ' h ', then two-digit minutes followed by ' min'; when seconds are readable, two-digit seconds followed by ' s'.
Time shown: 12 h 46 min
